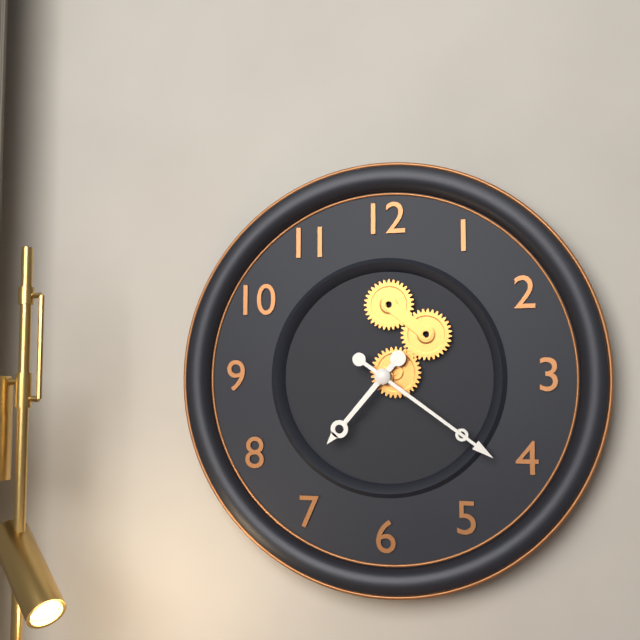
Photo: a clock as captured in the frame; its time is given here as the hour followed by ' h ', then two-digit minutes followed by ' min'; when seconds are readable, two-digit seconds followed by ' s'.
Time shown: 7 h 21 min
